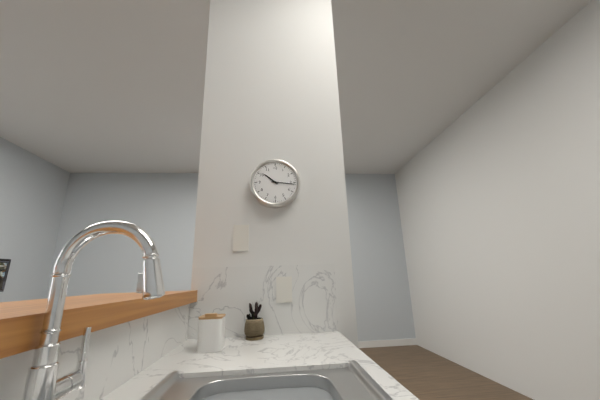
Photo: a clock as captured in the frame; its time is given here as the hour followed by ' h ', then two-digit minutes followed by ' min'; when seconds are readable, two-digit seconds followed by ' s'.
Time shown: 10 h 16 min
